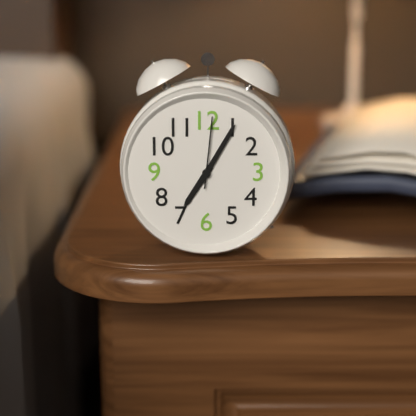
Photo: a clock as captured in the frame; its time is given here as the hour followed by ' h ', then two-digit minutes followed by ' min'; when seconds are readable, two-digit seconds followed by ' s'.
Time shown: 7 h 05 min 01 s
